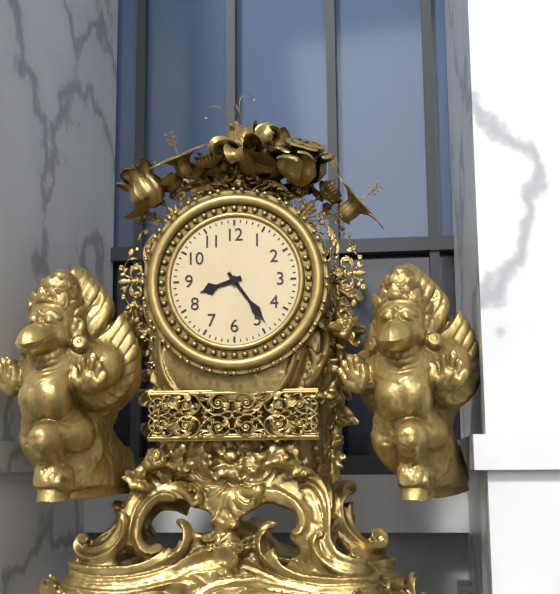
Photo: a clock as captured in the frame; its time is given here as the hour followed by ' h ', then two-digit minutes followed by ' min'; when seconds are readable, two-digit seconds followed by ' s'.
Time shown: 8 h 24 min
